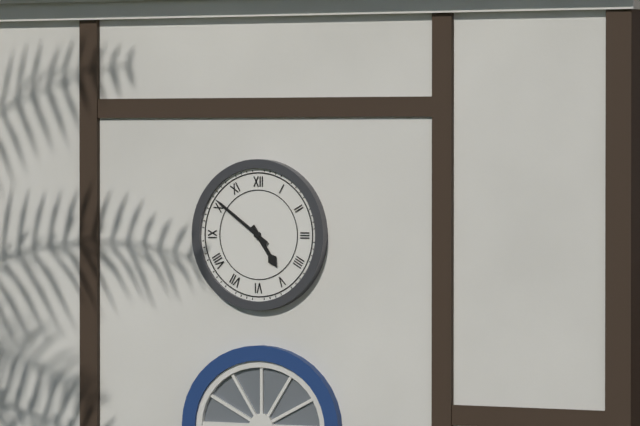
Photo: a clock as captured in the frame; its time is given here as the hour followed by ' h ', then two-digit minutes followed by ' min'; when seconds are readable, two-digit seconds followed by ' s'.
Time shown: 4 h 51 min
